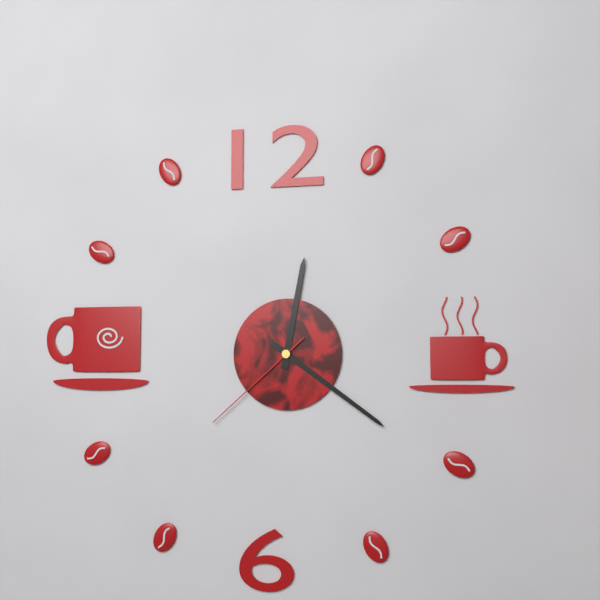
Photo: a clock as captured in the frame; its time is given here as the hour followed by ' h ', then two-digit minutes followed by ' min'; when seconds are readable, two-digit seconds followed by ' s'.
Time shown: 12 h 21 min 38 s
